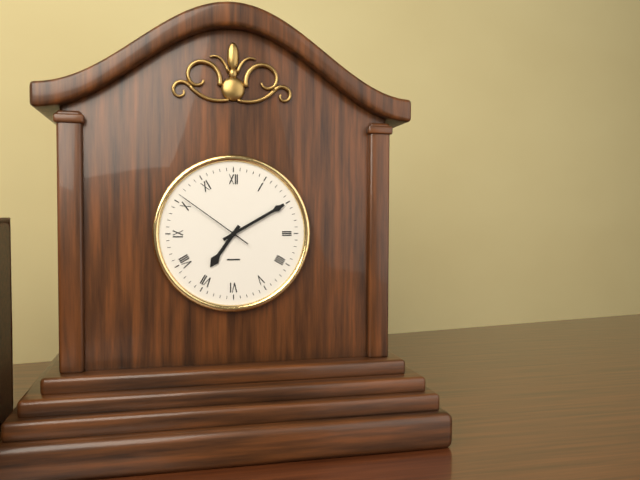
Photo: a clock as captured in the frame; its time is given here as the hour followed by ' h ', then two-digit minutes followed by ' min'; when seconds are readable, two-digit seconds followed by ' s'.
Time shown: 7 h 10 min 51 s
